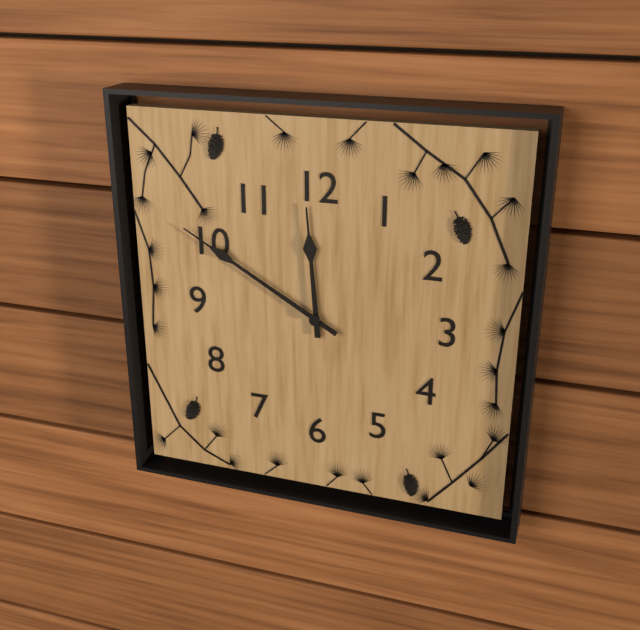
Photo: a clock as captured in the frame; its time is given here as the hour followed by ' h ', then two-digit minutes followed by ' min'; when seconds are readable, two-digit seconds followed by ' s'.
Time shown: 11 h 50 min
